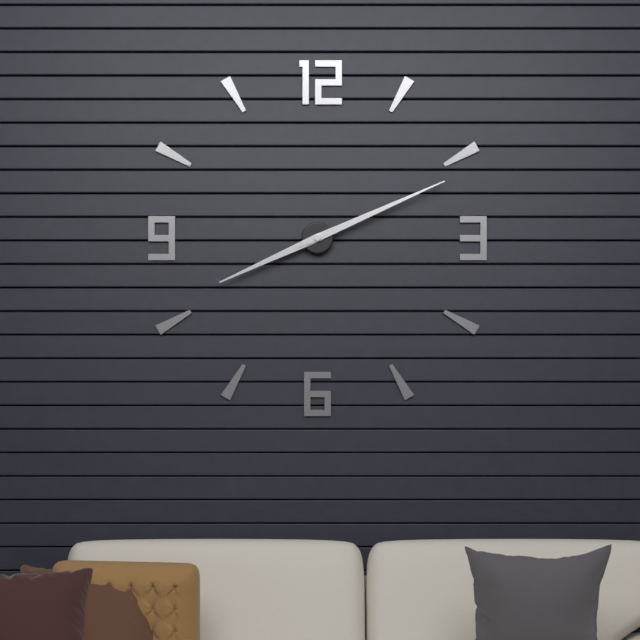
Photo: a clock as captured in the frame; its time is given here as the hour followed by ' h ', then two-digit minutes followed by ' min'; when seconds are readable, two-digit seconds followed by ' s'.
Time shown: 8 h 11 min
